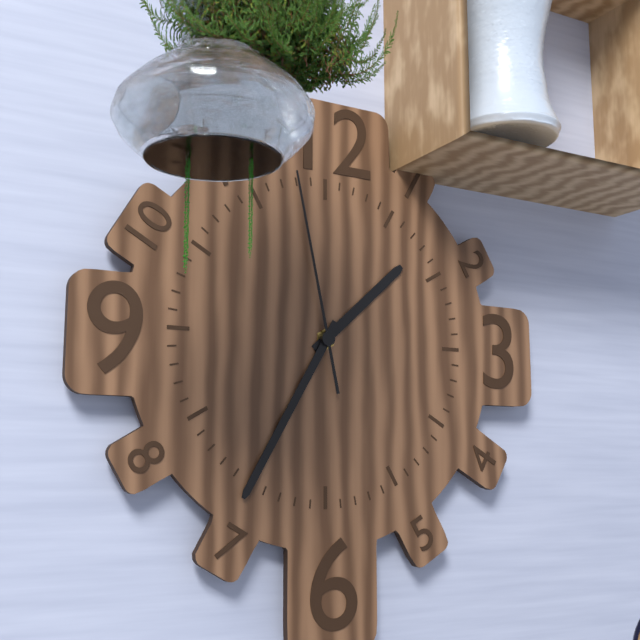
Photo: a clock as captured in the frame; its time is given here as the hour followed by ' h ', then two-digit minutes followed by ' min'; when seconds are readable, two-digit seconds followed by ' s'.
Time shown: 1 h 35 min 58 s
